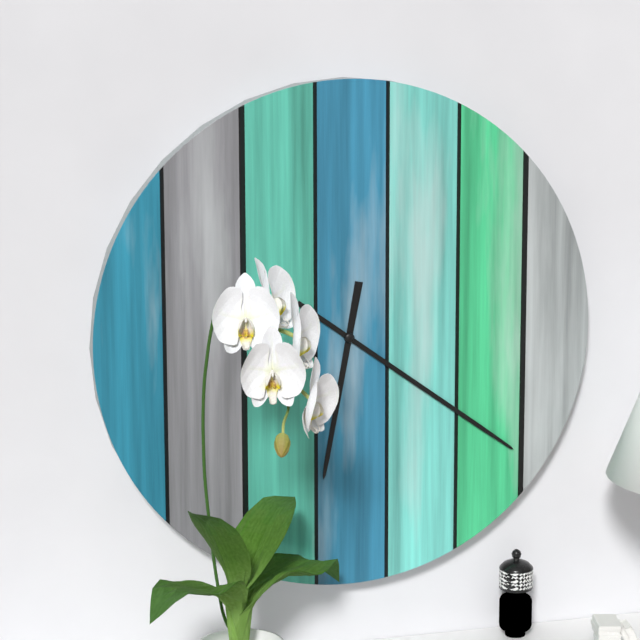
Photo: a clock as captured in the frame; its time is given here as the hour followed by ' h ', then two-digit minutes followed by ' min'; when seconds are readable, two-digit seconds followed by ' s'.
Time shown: 6 h 21 min
